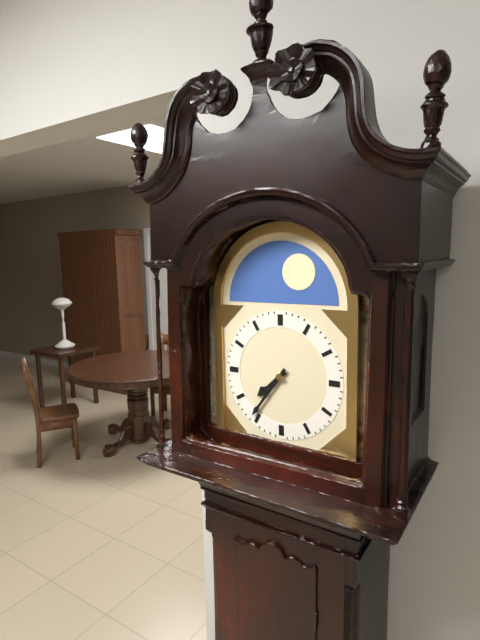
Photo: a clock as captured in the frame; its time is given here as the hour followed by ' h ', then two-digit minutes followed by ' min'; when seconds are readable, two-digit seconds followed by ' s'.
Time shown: 7 h 36 min
